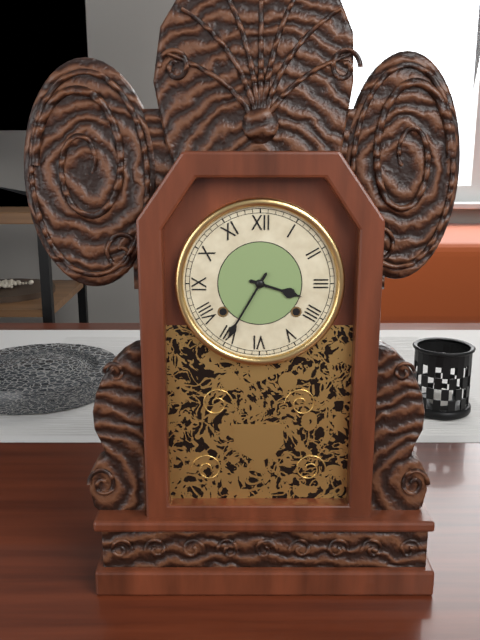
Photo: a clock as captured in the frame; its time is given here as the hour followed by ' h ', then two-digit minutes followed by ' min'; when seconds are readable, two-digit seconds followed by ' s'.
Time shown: 3 h 35 min
